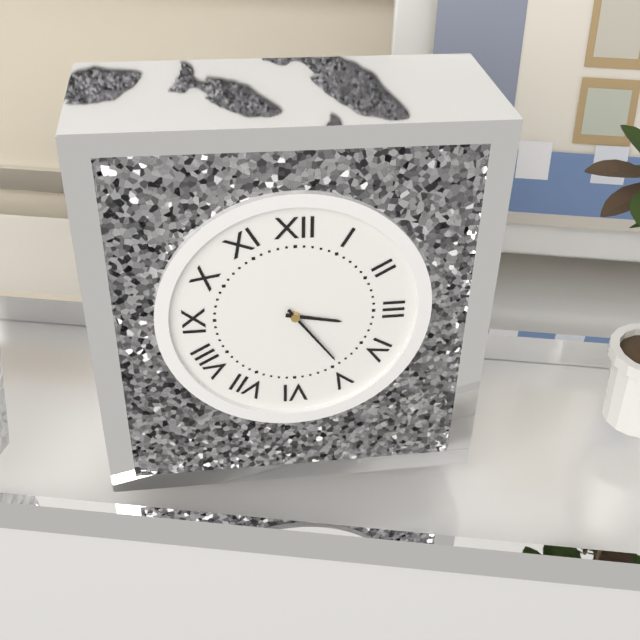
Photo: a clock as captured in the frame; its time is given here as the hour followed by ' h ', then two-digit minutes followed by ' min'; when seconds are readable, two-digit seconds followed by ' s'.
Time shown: 3 h 24 min
